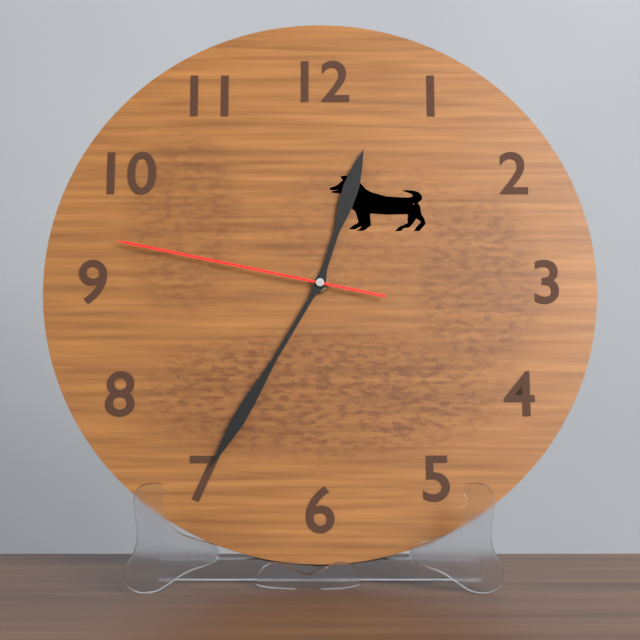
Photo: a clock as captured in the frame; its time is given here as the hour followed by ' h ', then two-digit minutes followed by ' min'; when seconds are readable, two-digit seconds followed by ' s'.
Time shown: 12 h 35 min 47 s
